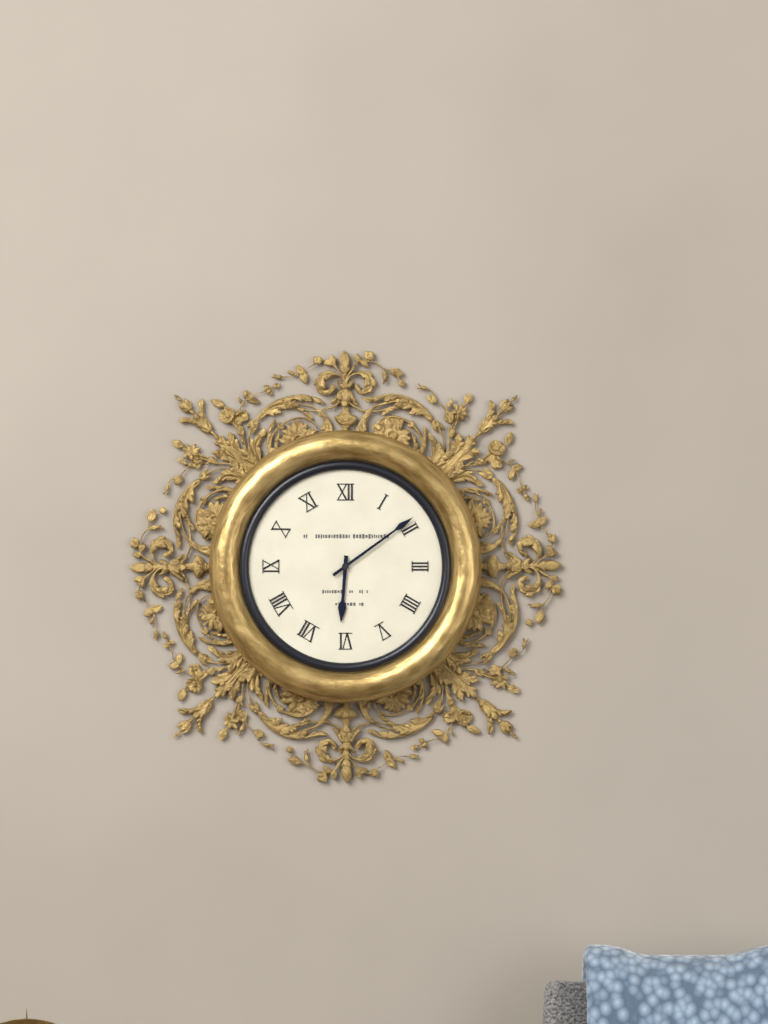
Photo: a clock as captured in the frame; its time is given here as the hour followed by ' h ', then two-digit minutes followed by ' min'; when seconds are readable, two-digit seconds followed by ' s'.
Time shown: 6 h 09 min
